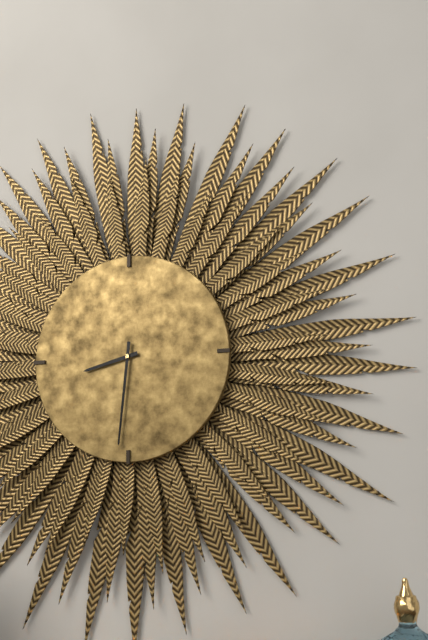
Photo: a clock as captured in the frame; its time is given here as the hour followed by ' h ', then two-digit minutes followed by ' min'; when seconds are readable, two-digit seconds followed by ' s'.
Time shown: 8 h 31 min
